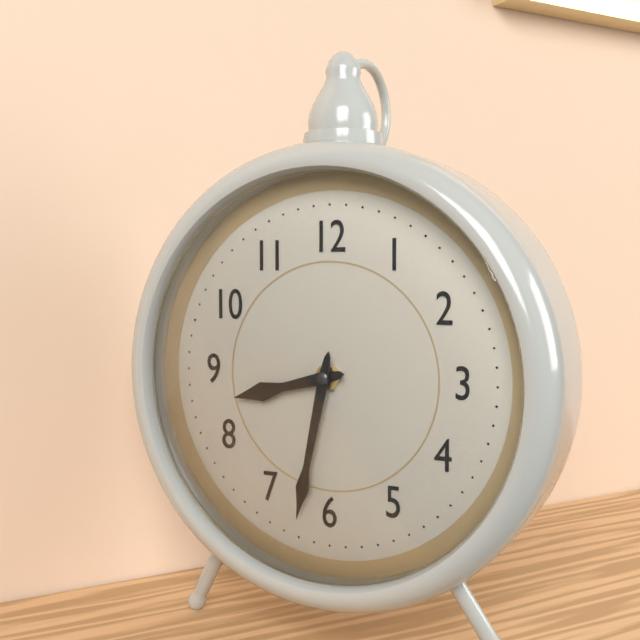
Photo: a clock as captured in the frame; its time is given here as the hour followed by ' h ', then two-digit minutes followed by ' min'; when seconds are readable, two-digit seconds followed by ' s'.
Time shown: 8 h 32 min
